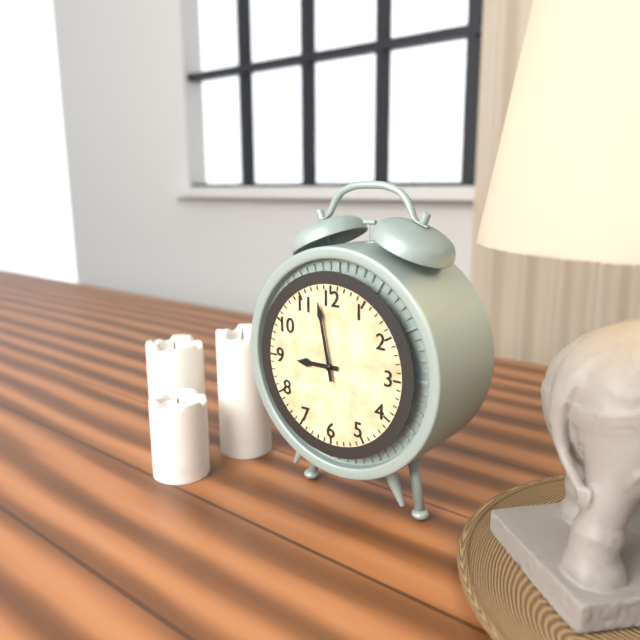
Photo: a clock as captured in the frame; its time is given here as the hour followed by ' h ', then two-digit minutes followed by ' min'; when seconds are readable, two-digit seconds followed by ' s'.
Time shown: 8 h 58 min
